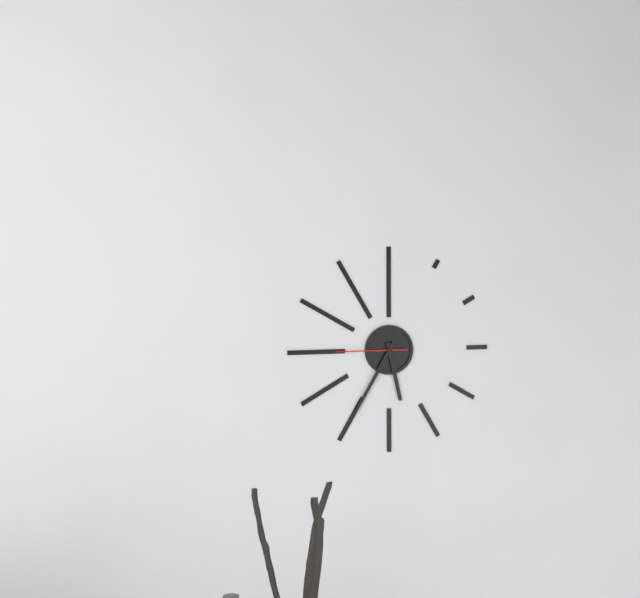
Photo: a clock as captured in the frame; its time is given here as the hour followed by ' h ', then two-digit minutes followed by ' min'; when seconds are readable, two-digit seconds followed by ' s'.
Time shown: 5 h 35 min 45 s
